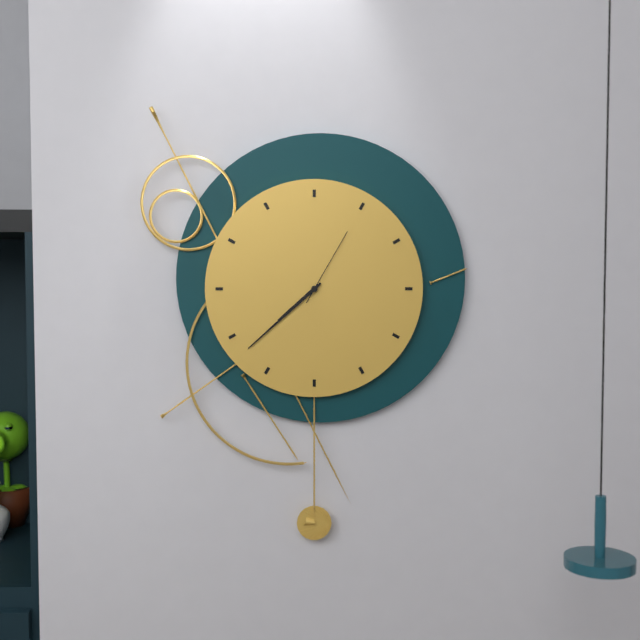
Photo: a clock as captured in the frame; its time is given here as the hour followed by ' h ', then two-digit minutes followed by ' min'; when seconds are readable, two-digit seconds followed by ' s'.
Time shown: 7 h 38 min 05 s
